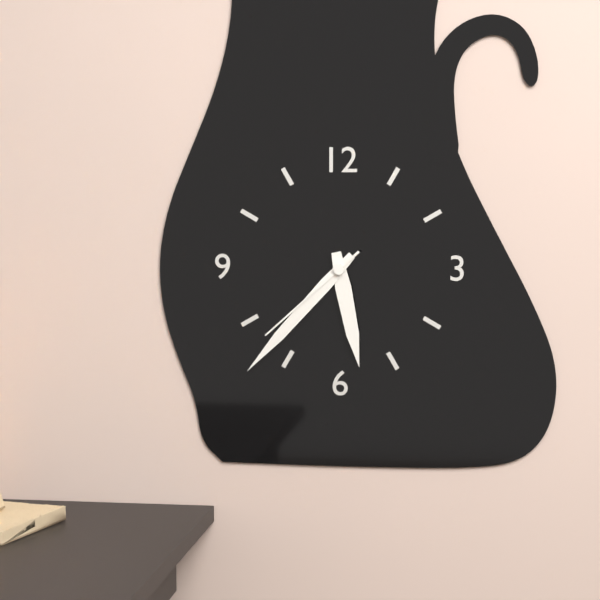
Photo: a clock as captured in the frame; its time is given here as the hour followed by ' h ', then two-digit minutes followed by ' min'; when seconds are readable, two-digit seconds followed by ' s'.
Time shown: 5 h 37 min 38 s
